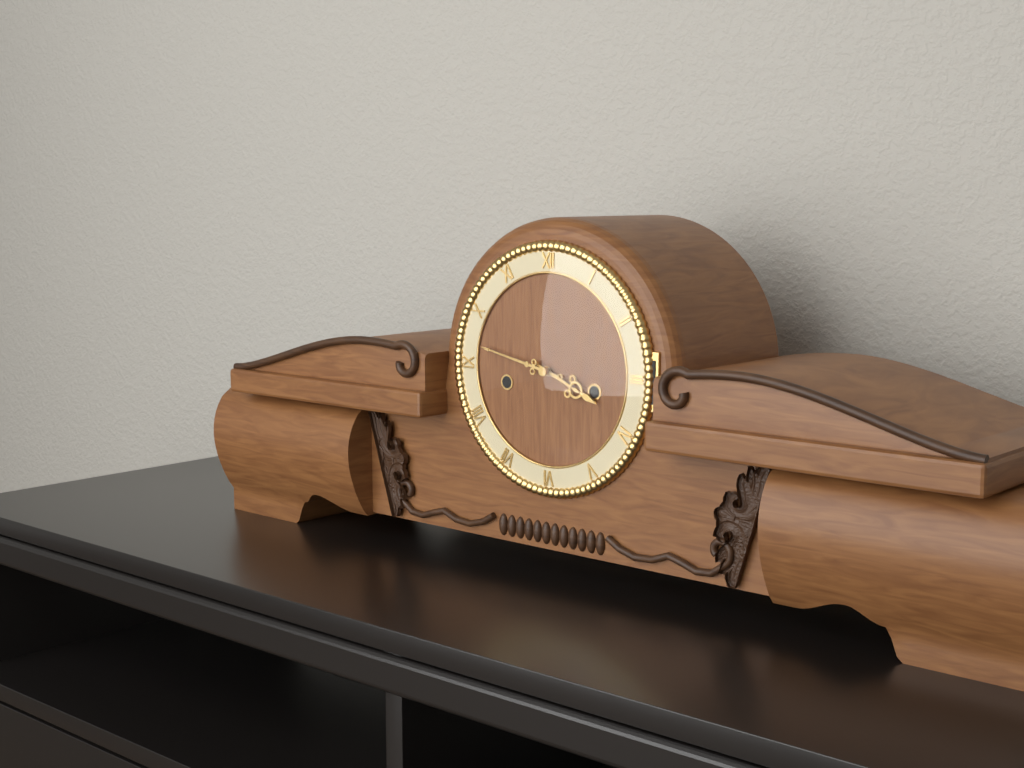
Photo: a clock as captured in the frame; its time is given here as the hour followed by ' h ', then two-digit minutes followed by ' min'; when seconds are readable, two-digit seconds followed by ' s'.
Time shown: 3 h 47 min
